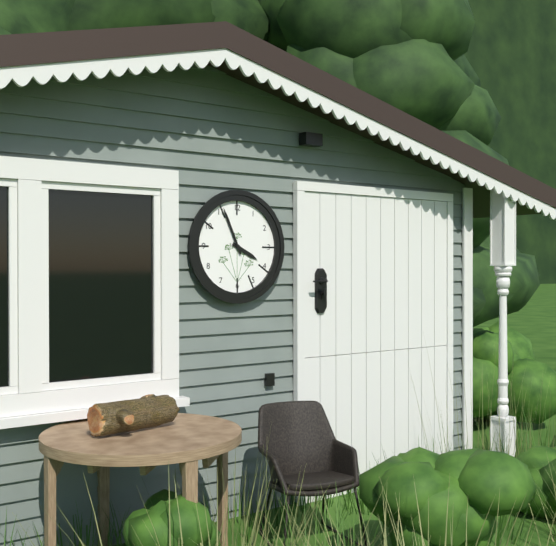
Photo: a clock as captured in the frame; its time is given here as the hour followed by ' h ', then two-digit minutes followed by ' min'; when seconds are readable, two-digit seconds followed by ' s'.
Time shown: 3 h 56 min
